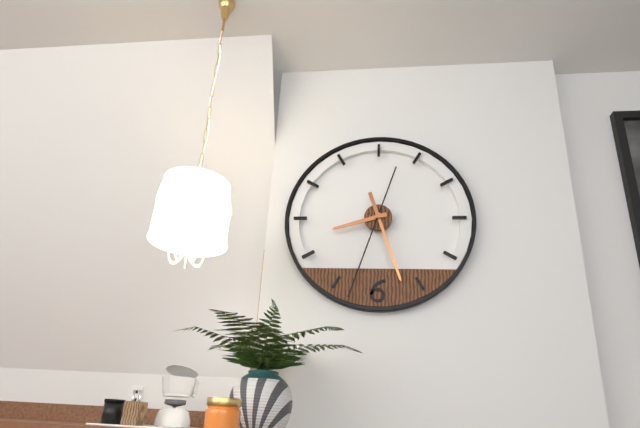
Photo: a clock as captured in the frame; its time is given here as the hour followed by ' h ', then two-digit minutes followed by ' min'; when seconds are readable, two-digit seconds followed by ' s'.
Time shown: 8 h 27 min 33 s
